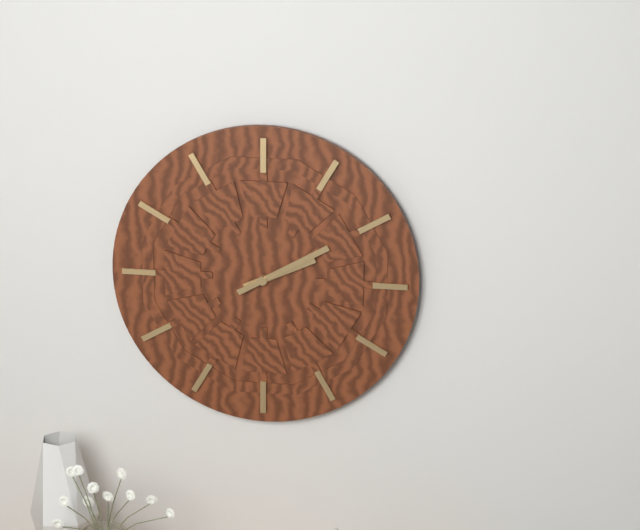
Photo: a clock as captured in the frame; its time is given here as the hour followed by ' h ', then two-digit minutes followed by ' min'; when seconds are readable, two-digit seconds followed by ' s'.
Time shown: 2 h 10 min
